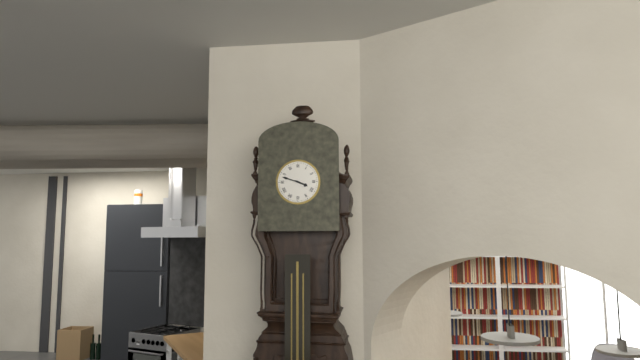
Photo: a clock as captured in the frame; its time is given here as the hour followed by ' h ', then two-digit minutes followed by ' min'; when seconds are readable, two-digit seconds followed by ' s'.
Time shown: 3 h 48 min
